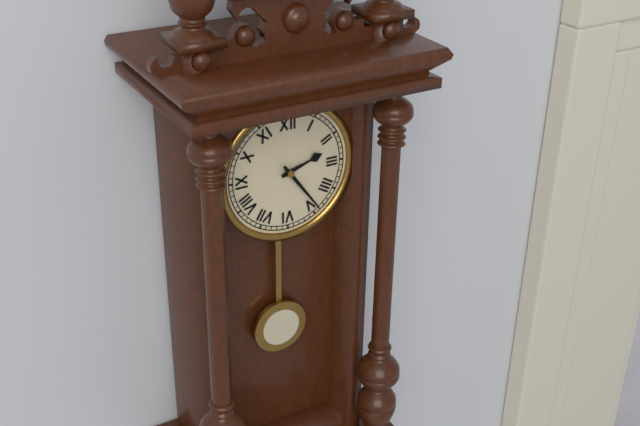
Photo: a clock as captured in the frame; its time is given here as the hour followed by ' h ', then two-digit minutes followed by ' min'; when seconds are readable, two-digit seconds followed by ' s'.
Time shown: 2 h 24 min
